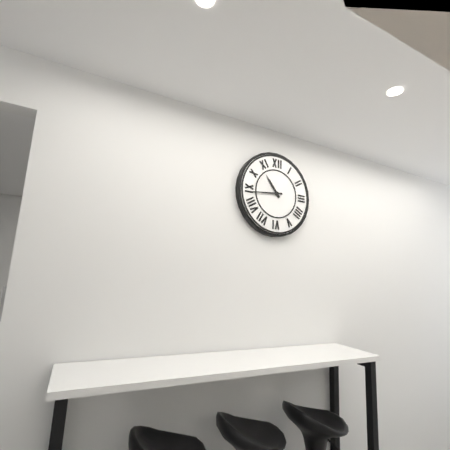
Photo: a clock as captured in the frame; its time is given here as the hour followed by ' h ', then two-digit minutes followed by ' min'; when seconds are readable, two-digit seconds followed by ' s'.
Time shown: 10 h 44 min
